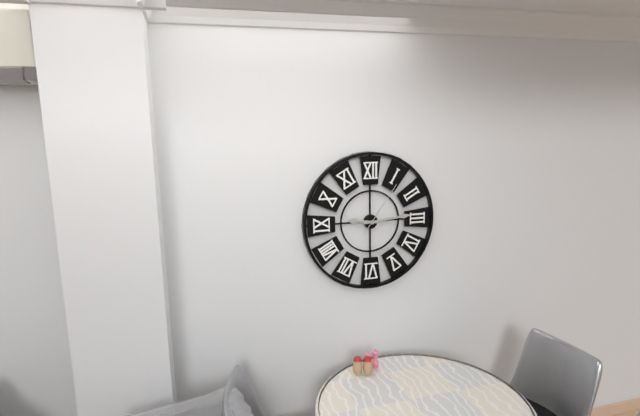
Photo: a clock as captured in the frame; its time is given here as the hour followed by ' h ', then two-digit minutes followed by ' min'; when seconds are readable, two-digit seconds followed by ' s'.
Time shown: 9 h 14 min 06 s
